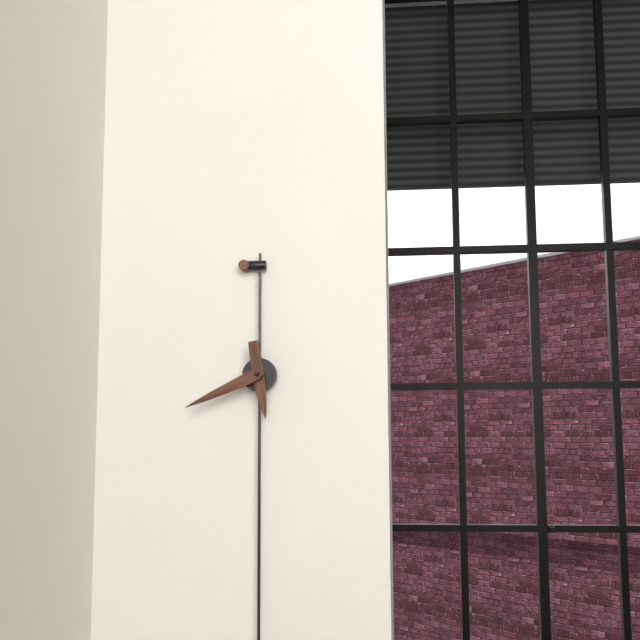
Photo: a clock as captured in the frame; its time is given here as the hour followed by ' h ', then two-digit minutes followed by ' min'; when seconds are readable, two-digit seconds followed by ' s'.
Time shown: 5 h 41 min
